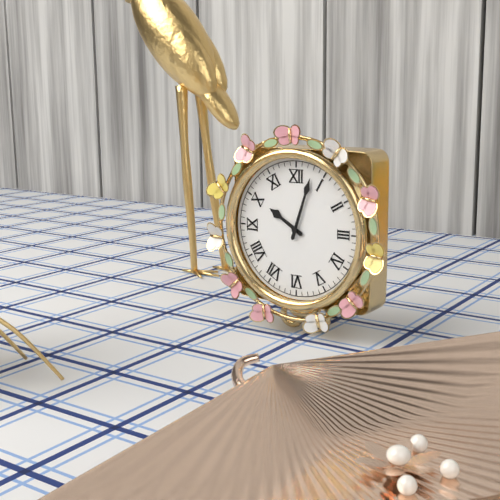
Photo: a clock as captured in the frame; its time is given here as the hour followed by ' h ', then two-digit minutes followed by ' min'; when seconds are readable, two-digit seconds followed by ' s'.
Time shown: 10 h 03 min
